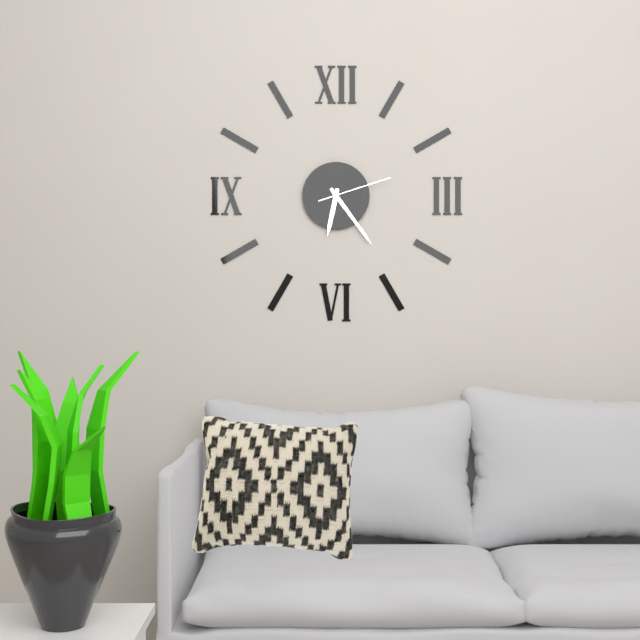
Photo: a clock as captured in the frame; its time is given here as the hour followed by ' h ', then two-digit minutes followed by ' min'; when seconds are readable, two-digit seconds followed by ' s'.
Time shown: 6 h 24 min 12 s
